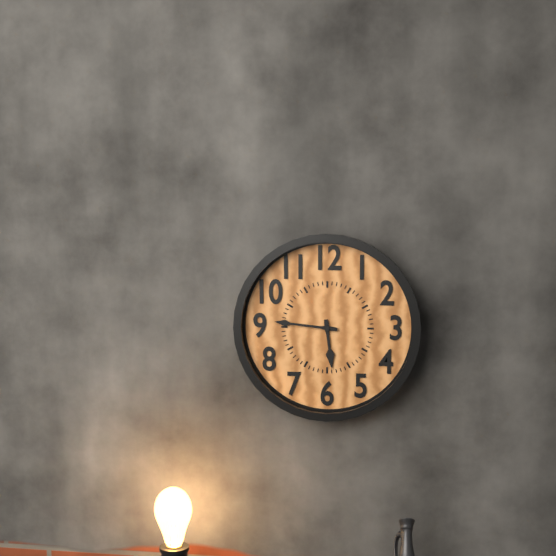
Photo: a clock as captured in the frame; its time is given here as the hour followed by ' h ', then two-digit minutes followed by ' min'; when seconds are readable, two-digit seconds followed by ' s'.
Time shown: 5 h 46 min
